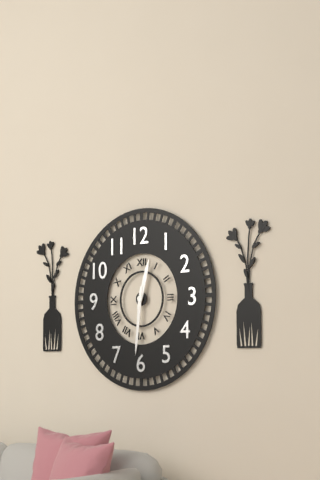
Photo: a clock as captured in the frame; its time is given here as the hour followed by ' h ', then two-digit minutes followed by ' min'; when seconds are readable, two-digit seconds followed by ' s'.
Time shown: 12 h 31 min
